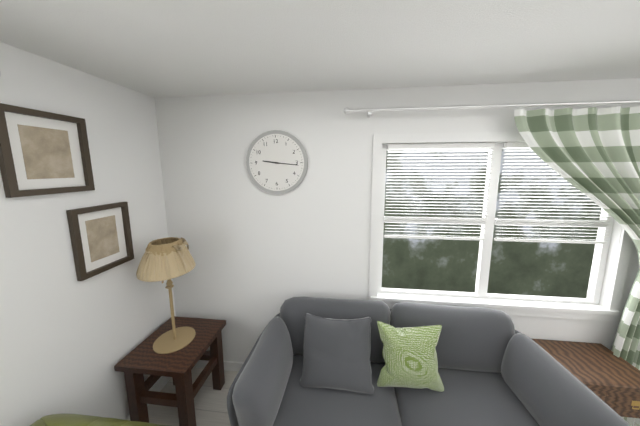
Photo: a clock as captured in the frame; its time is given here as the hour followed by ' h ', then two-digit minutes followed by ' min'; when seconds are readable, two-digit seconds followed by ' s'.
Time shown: 9 h 16 min
